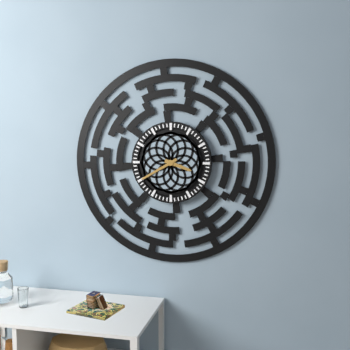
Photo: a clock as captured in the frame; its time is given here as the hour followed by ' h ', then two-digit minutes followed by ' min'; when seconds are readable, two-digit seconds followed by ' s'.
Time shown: 3 h 40 min
